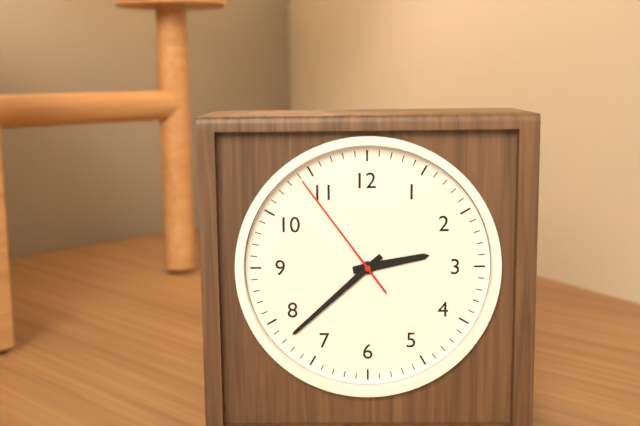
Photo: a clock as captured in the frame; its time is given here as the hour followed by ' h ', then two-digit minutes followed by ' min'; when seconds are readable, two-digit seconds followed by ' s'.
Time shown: 2 h 38 min 54 s
